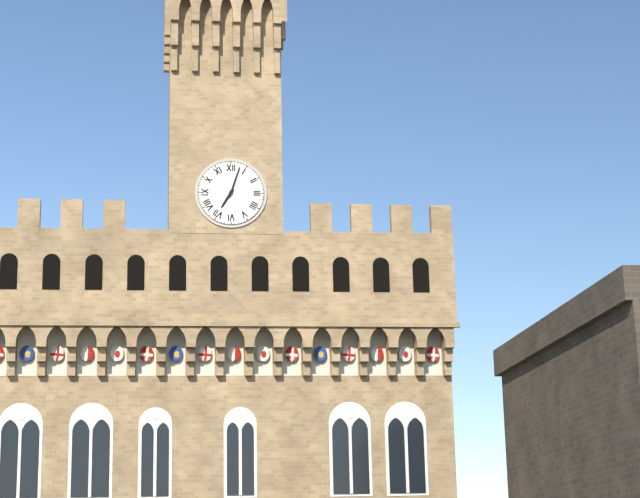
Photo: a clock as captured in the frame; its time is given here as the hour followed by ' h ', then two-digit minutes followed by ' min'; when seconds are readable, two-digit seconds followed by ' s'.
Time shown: 7 h 03 min
